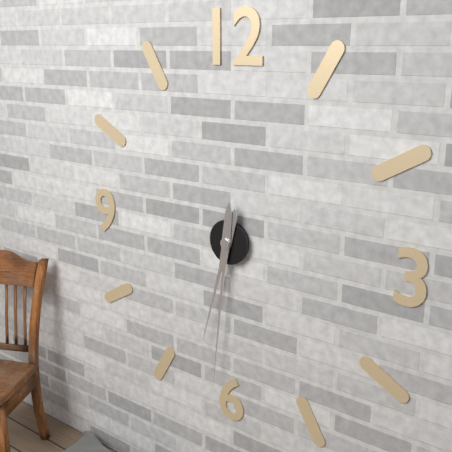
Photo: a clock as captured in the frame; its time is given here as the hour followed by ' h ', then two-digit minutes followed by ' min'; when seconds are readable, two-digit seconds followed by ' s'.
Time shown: 6 h 31 min
